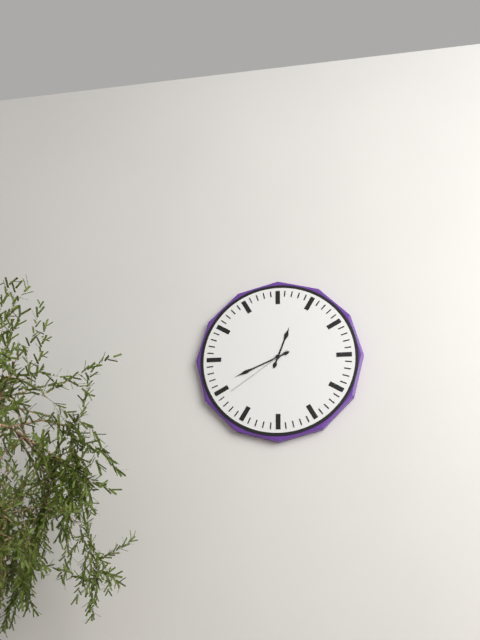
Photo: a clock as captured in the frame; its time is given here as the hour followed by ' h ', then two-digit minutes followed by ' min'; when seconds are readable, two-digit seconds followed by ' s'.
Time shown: 12 h 41 min 39 s
